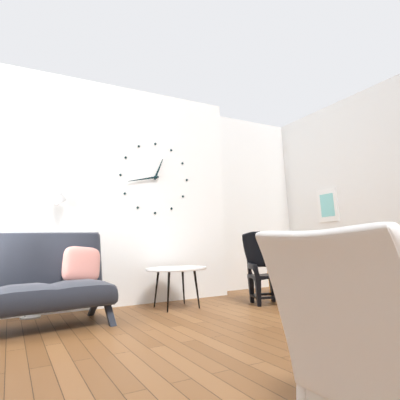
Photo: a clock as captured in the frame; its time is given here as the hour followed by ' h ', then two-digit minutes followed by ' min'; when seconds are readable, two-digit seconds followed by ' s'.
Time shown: 12 h 43 min
